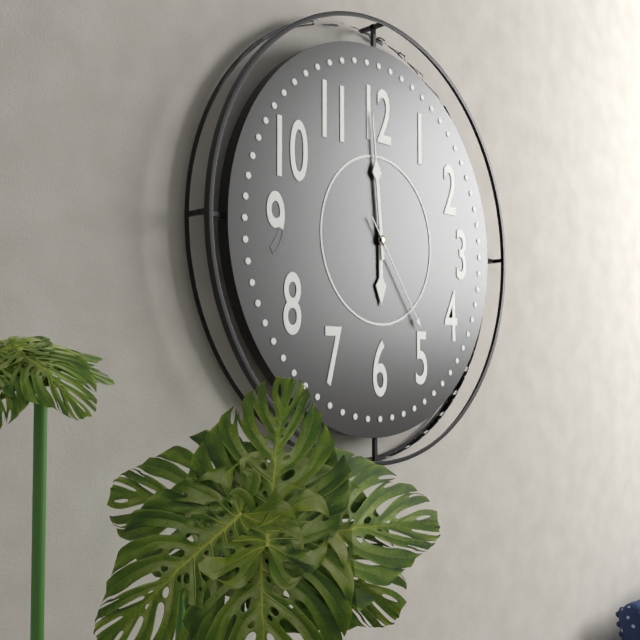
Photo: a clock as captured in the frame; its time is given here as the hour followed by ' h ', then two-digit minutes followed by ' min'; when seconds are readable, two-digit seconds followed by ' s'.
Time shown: 5 h 59 min 24 s
